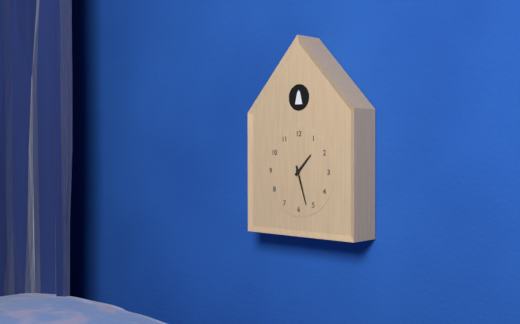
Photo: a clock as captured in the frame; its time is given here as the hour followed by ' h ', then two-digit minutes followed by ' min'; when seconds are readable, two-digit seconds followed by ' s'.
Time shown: 1 h 27 min
